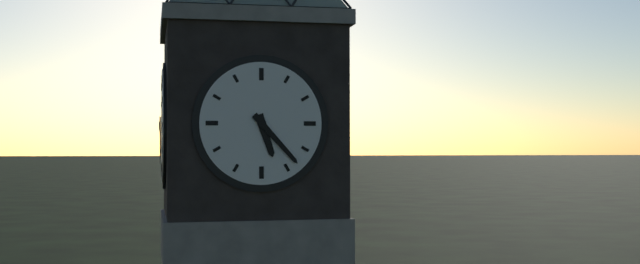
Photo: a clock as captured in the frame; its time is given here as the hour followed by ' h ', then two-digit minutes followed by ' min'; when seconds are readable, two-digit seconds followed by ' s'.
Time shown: 5 h 23 min
